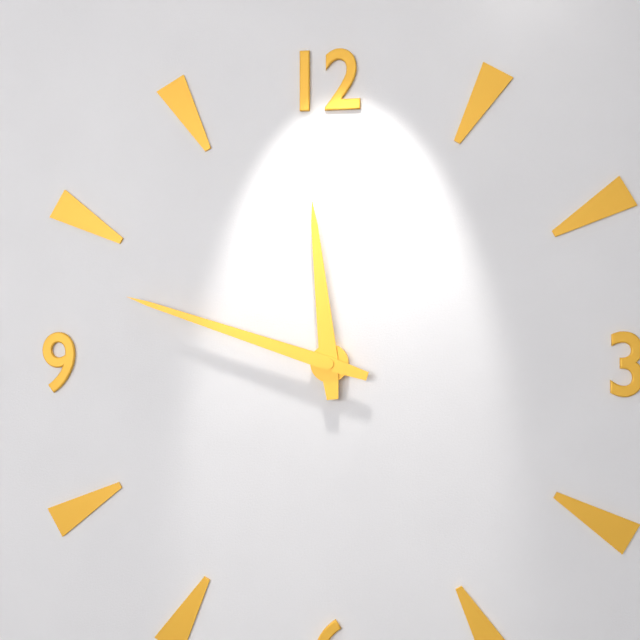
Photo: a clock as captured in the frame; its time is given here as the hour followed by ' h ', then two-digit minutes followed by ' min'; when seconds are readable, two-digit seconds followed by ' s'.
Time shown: 11 h 48 min
